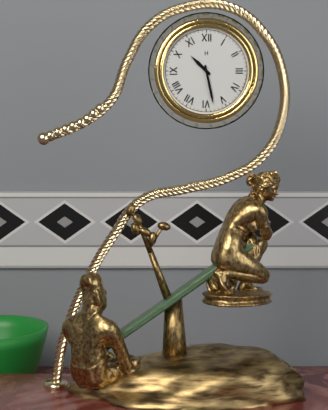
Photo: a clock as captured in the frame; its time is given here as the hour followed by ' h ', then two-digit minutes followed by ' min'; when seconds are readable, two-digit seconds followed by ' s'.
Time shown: 10 h 28 min
